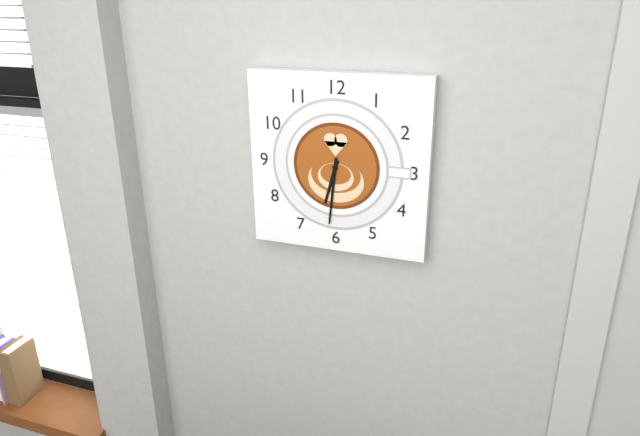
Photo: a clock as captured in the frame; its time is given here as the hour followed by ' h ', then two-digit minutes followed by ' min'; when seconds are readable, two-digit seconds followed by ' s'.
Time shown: 6 h 31 min
